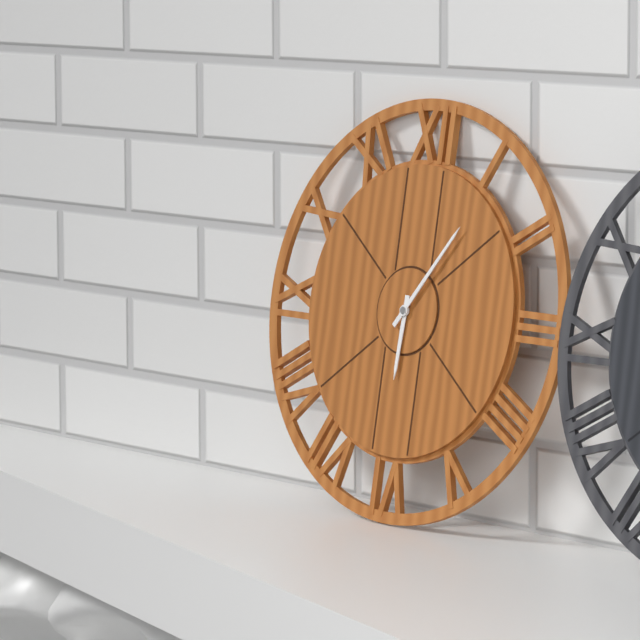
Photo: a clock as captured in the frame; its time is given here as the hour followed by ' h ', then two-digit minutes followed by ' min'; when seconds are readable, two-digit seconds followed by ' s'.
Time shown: 6 h 06 min
